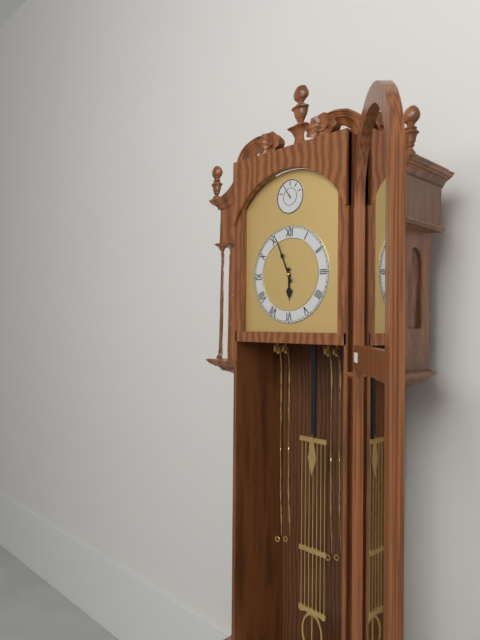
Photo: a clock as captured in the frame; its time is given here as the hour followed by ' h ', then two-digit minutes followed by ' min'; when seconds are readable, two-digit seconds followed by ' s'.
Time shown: 5 h 56 min
